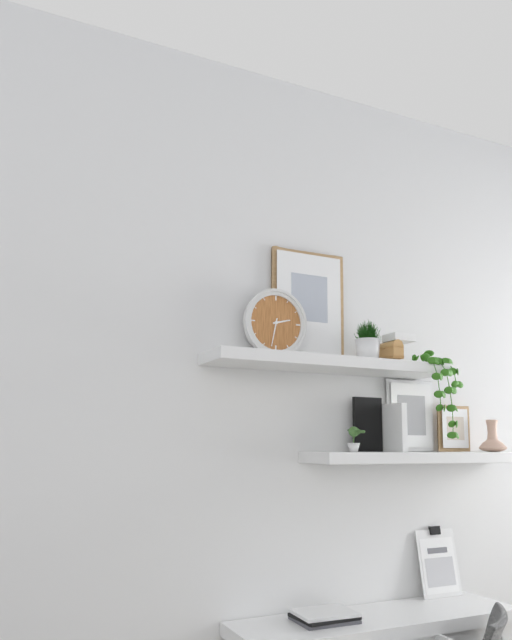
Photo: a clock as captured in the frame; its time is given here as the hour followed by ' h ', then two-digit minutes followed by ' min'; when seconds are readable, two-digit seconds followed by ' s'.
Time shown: 2 h 32 min
